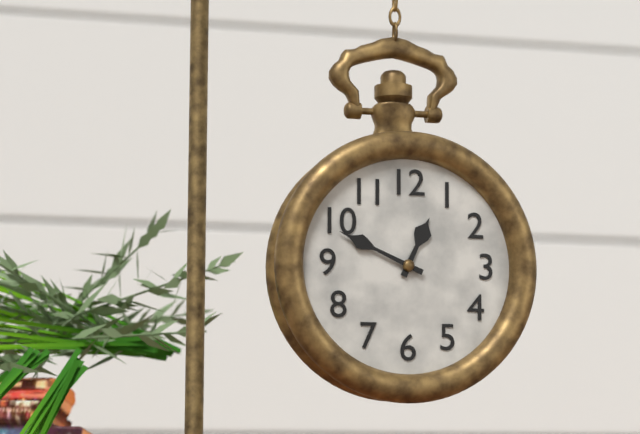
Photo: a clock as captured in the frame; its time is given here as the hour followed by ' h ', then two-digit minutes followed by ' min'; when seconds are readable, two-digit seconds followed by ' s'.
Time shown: 12 h 49 min
